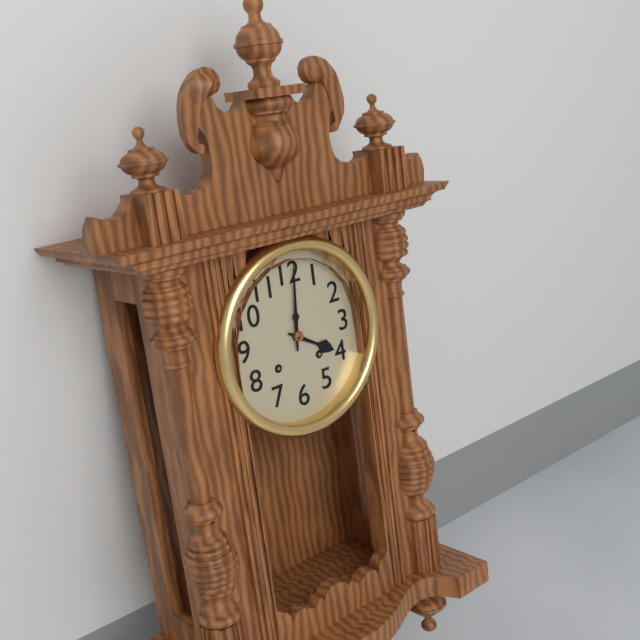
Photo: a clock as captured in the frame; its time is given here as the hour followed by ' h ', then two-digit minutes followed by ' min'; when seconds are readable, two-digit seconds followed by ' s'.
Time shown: 4 h 01 min
